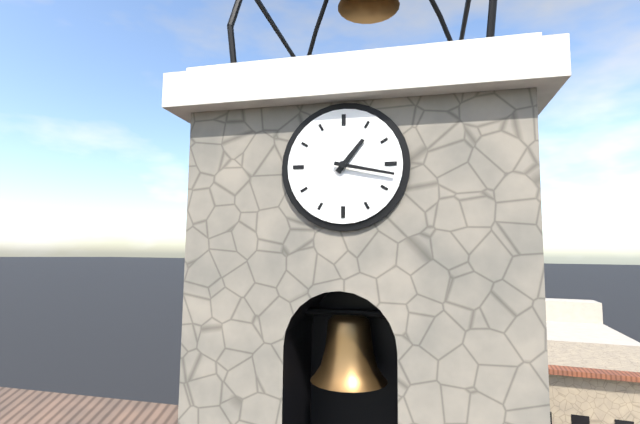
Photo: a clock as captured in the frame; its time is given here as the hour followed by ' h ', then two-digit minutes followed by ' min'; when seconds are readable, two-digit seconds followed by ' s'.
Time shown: 1 h 17 min
